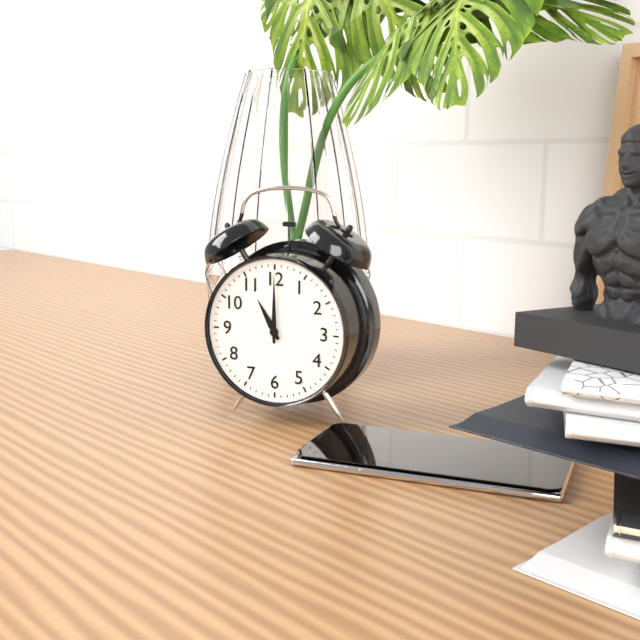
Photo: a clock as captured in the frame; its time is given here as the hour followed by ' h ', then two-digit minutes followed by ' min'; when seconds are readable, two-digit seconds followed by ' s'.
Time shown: 11 h 00 min
